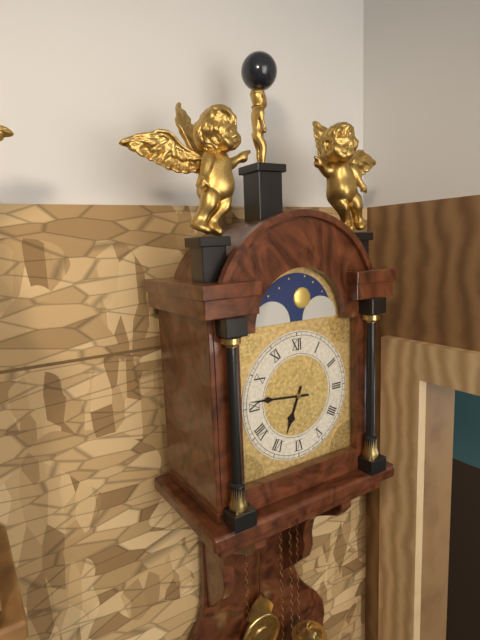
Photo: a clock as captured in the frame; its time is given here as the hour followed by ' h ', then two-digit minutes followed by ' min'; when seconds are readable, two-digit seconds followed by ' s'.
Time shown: 6 h 46 min
